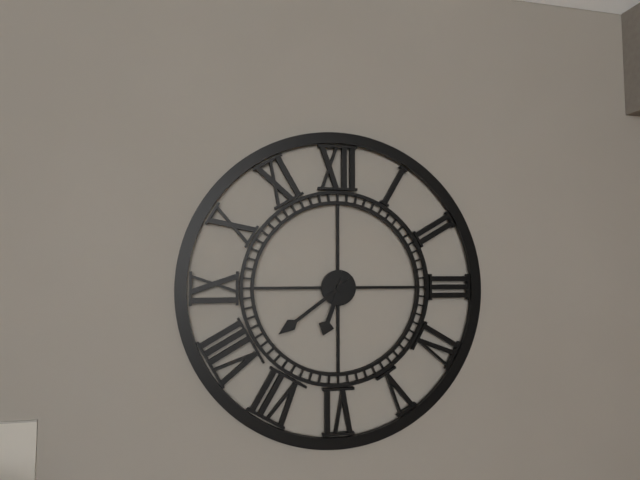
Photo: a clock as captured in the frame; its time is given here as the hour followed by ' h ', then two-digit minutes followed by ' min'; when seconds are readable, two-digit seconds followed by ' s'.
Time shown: 6 h 39 min
